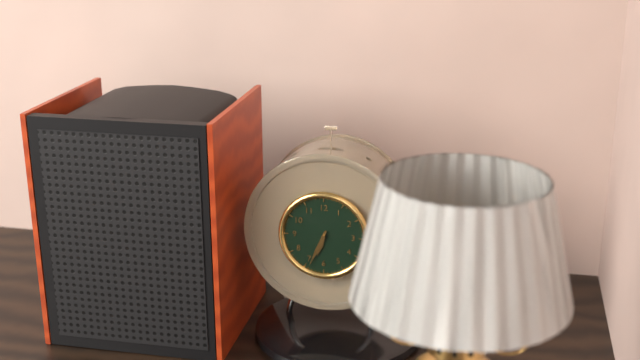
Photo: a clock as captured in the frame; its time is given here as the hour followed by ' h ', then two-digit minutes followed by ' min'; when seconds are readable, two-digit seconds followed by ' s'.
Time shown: 6 h 34 min
